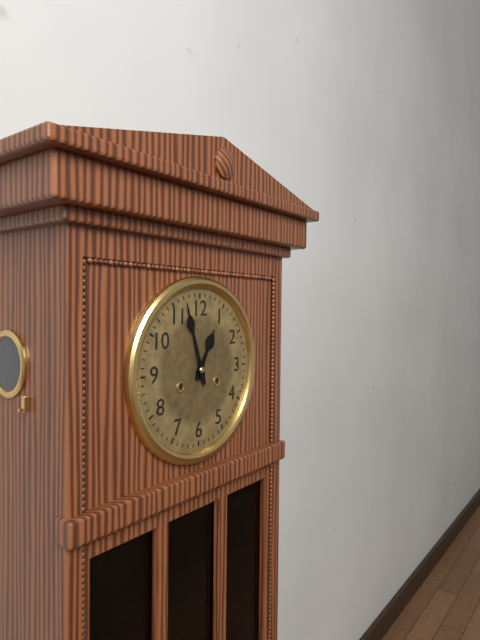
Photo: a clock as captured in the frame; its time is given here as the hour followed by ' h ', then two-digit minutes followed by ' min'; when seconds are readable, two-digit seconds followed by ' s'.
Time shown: 12 h 57 min
